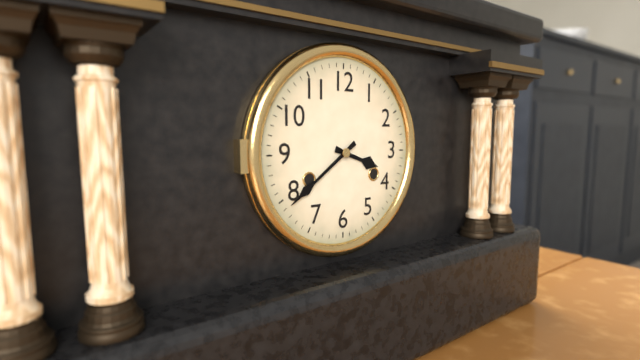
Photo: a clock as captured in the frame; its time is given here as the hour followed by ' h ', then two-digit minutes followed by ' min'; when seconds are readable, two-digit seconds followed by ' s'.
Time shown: 3 h 39 min
